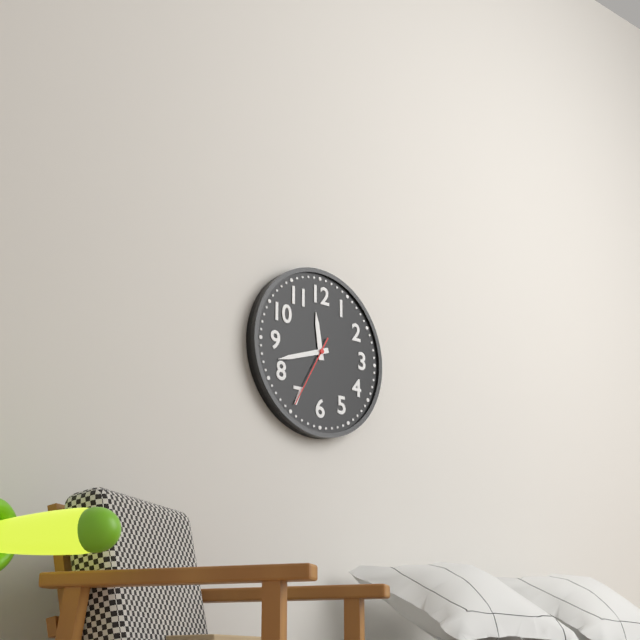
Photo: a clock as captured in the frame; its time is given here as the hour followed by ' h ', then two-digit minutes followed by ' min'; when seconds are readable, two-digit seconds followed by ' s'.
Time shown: 11 h 42 min 35 s
